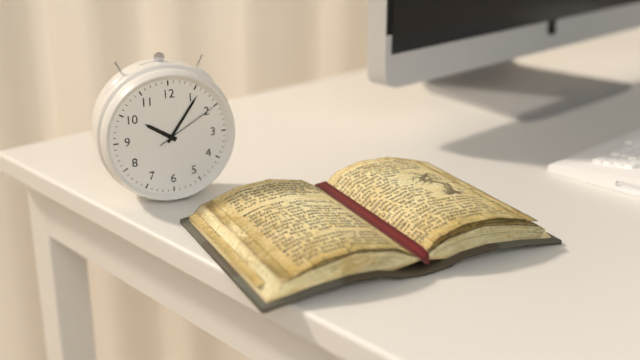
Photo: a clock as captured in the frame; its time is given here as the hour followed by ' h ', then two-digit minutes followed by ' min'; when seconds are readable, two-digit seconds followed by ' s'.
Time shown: 10 h 06 min 10 s
